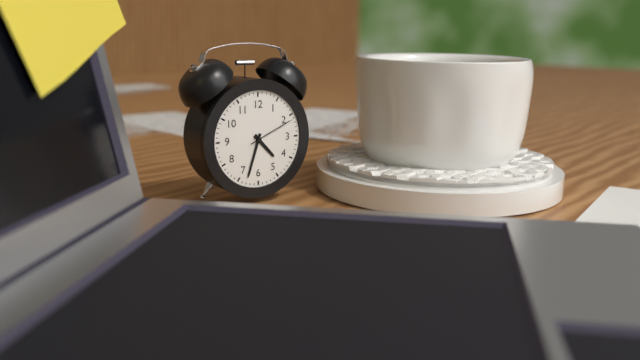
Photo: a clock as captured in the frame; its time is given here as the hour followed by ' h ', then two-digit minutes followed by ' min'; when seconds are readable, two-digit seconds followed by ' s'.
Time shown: 4 h 33 min
